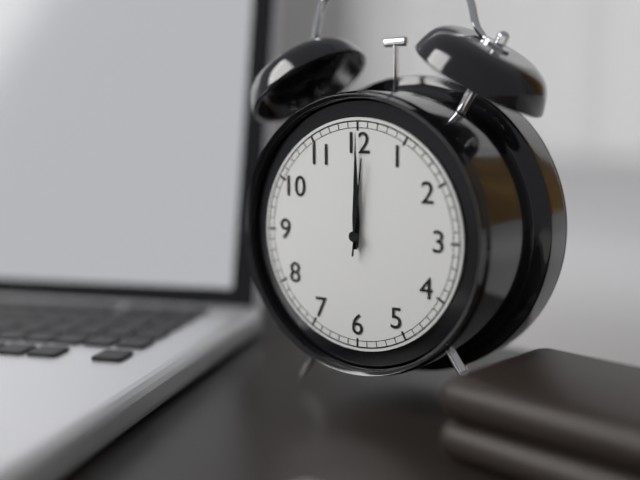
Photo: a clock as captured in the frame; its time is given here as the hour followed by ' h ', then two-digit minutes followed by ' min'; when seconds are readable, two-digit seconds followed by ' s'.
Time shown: 12 h 00 min 01 s
